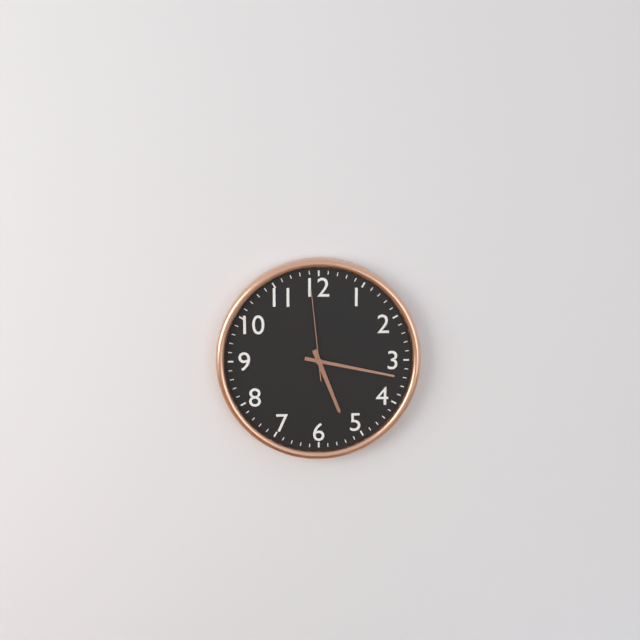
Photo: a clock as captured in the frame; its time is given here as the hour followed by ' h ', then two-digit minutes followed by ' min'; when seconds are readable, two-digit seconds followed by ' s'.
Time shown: 5 h 17 min 59 s
